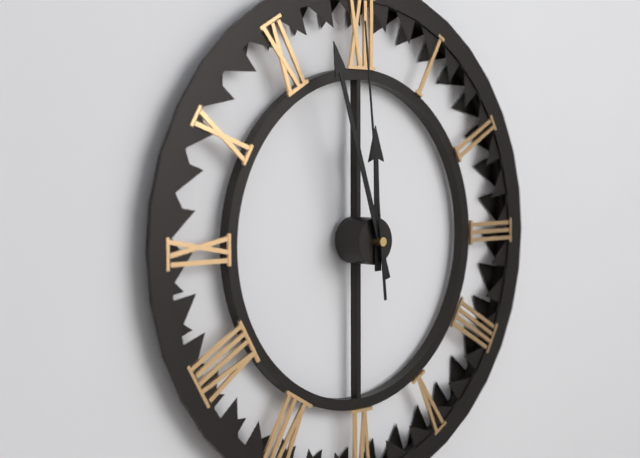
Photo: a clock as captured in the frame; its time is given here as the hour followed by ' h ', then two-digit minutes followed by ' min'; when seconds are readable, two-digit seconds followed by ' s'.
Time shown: 11 h 57 min 59 s
